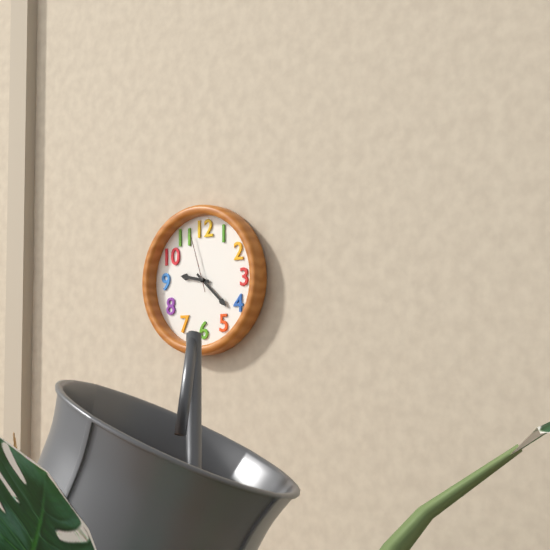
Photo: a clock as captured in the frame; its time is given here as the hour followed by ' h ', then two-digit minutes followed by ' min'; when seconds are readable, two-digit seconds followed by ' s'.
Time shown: 9 h 22 min 57 s
